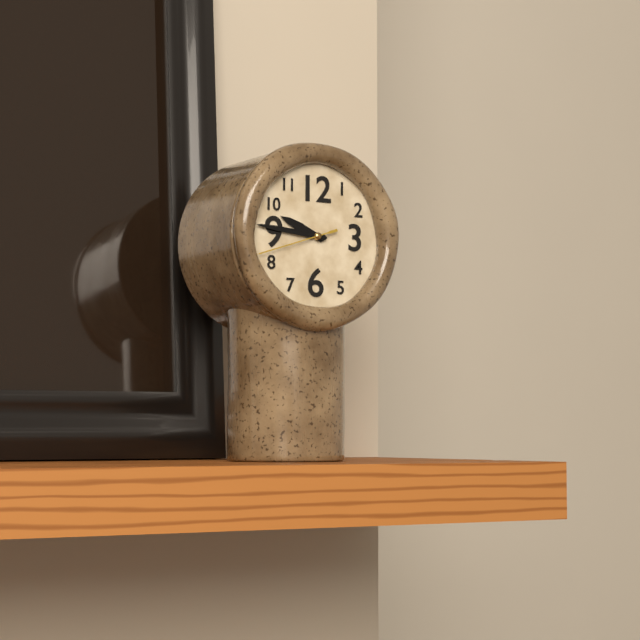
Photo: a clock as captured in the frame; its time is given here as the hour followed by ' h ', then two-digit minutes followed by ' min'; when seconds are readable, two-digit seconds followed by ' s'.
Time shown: 9 h 46 min 42 s
